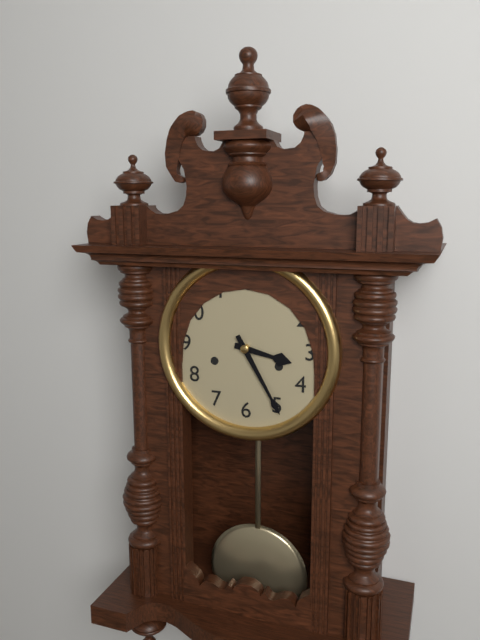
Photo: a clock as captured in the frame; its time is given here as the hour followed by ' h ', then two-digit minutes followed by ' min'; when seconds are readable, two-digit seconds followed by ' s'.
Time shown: 3 h 25 min
